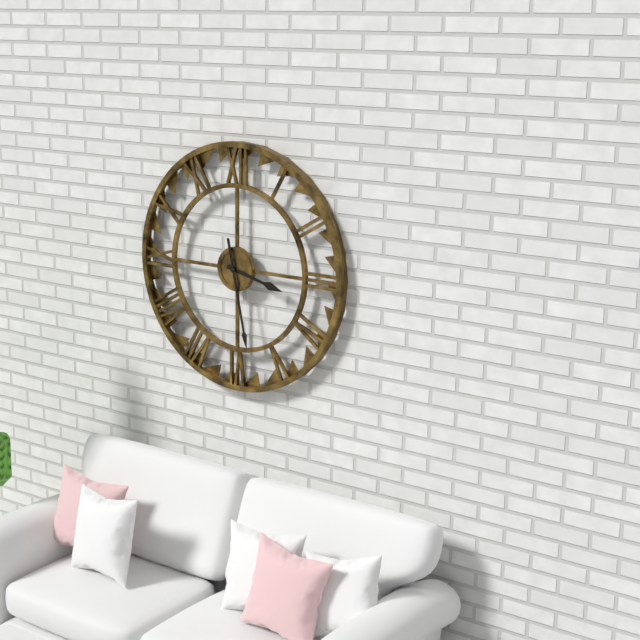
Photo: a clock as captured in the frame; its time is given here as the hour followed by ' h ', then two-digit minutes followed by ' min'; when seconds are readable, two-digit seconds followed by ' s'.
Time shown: 3 h 28 min
